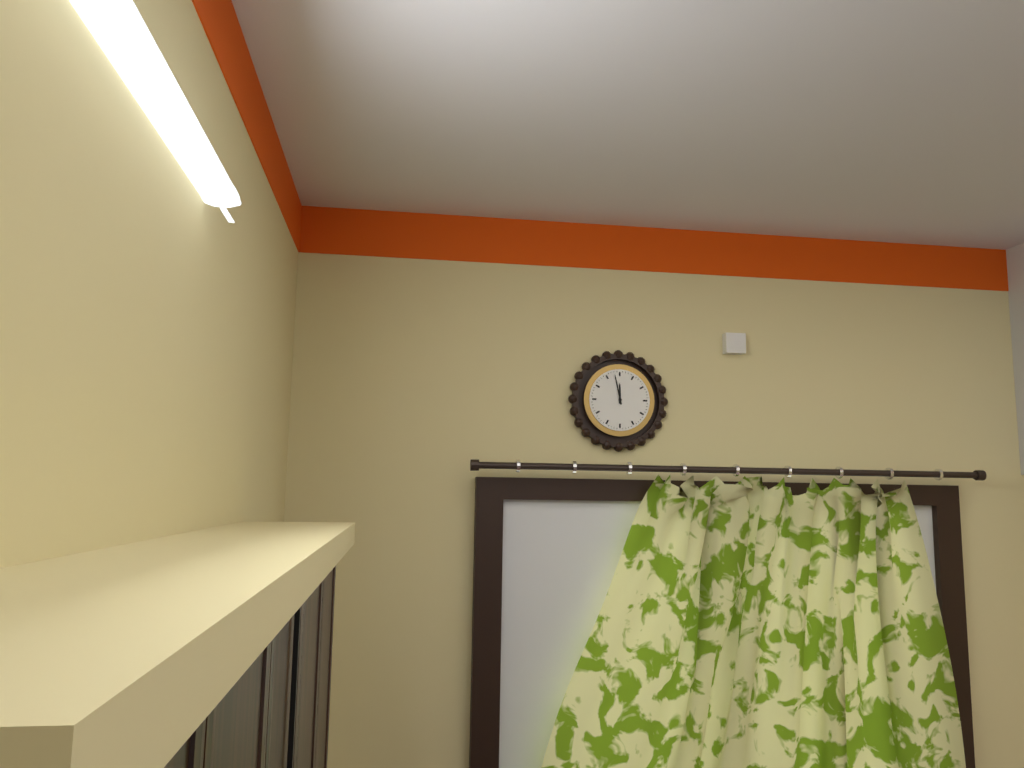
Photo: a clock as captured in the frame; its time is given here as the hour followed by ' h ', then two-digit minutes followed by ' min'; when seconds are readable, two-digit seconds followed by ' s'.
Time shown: 11 h 58 min
